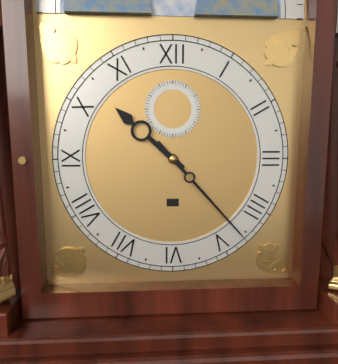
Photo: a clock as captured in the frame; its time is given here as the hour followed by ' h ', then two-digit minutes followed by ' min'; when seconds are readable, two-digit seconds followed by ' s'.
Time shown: 10 h 23 min
